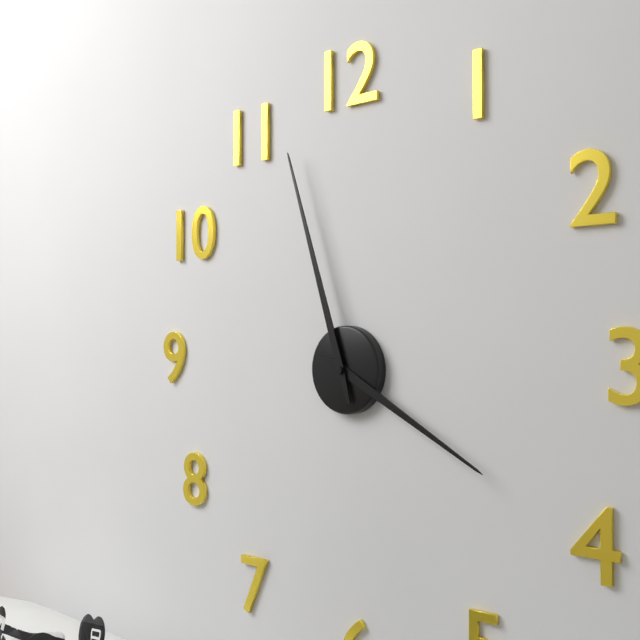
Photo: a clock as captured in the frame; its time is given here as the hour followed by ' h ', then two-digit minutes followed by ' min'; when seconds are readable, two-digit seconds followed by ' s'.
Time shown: 3 h 57 min
